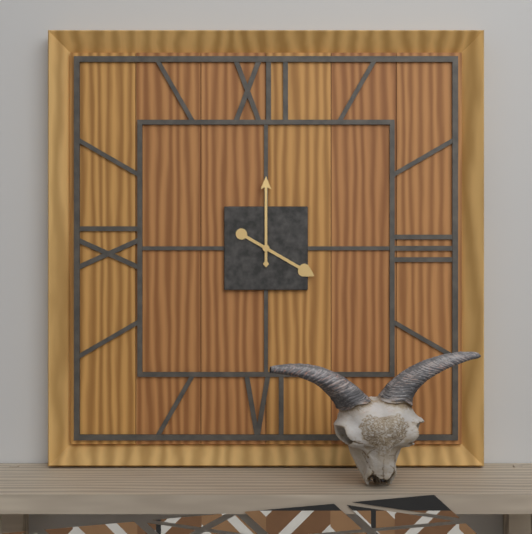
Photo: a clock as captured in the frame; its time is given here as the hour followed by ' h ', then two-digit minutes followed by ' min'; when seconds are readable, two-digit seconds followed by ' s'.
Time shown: 4 h 00 min
